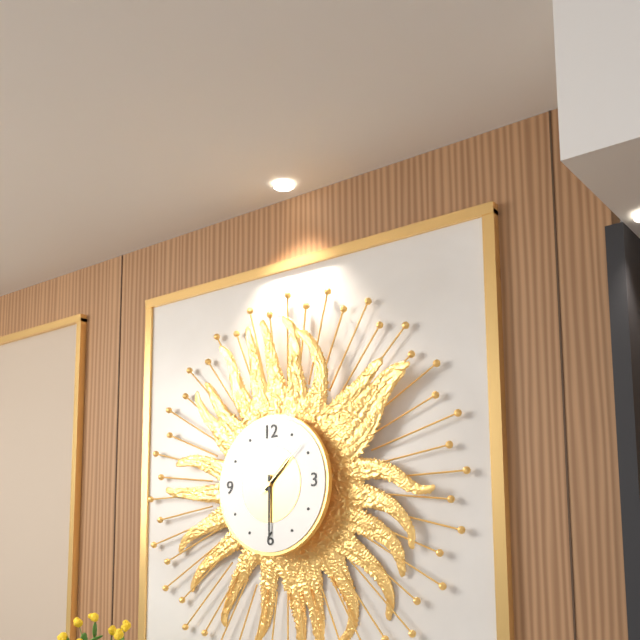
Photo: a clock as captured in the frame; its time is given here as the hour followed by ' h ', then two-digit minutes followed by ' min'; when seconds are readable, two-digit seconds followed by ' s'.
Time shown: 1 h 30 min 08 s
